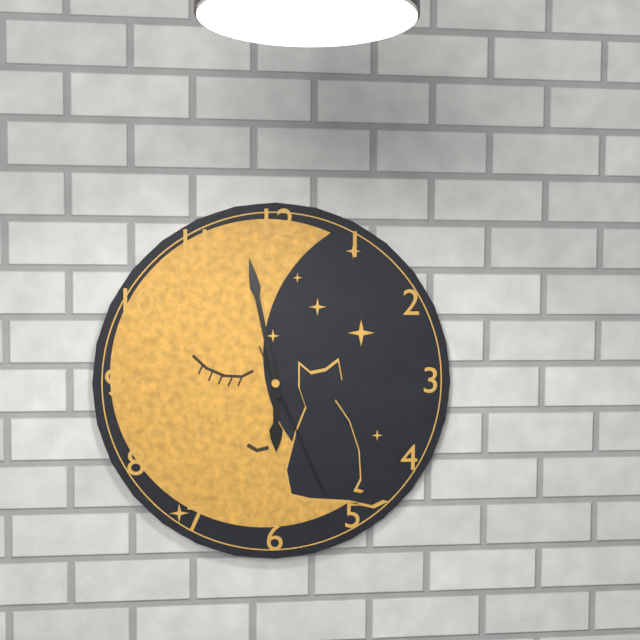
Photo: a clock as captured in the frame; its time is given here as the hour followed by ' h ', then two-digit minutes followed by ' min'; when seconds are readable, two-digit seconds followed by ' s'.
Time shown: 5 h 58 min 26 s
